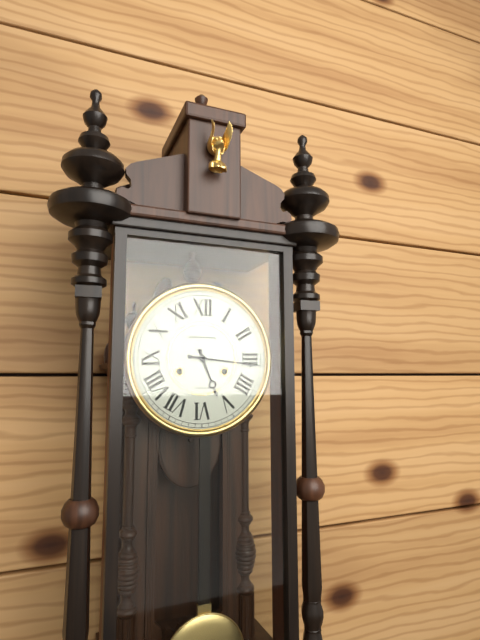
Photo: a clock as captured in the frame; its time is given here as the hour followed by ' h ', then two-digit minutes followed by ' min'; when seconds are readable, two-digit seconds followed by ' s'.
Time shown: 5 h 16 min
